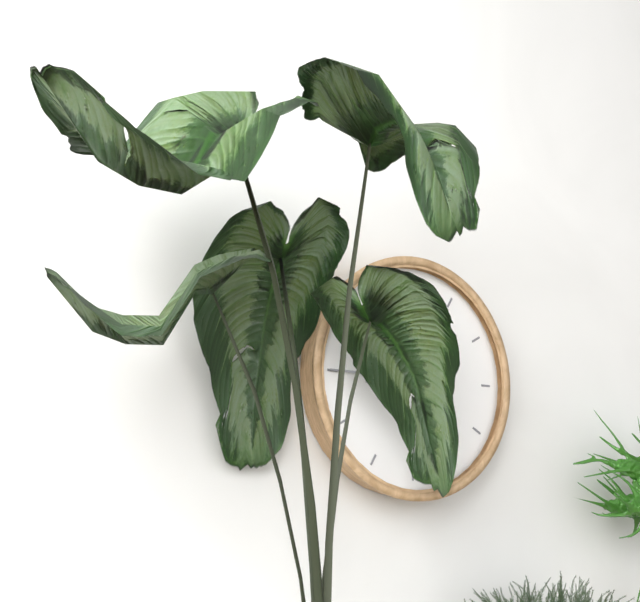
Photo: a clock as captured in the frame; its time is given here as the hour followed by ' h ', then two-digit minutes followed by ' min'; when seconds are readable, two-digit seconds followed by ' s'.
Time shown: 8 h 45 min
